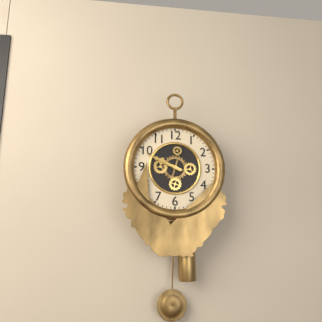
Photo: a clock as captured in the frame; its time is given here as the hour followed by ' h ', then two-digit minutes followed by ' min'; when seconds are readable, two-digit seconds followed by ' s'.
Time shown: 9 h 49 min
